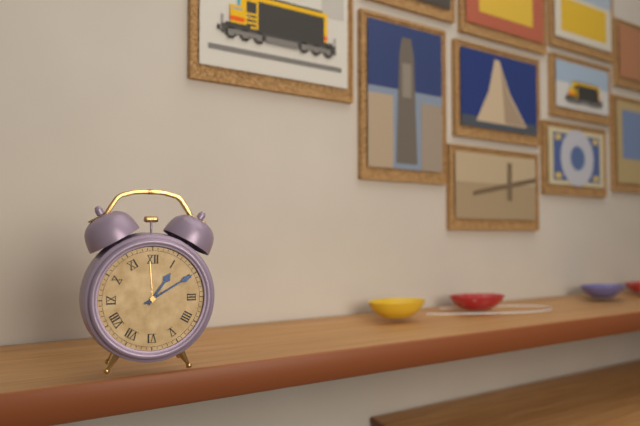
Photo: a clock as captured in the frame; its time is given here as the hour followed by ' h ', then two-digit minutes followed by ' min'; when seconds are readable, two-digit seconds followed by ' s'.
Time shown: 1 h 10 min
